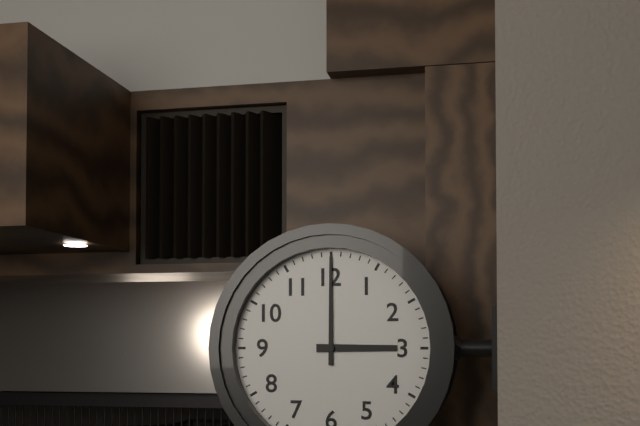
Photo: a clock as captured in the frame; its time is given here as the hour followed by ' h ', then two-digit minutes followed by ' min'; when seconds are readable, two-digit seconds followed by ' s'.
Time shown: 3 h 00 min
